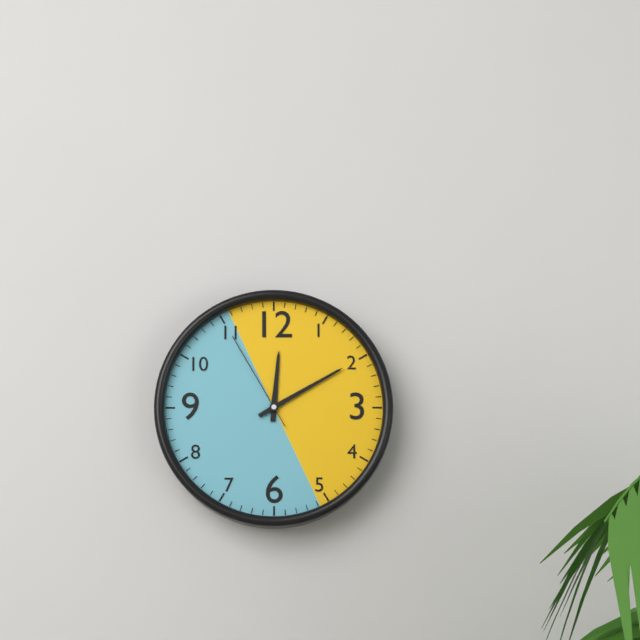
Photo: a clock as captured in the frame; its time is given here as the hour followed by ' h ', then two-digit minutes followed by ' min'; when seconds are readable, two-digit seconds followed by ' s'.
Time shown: 12 h 10 min 55 s
